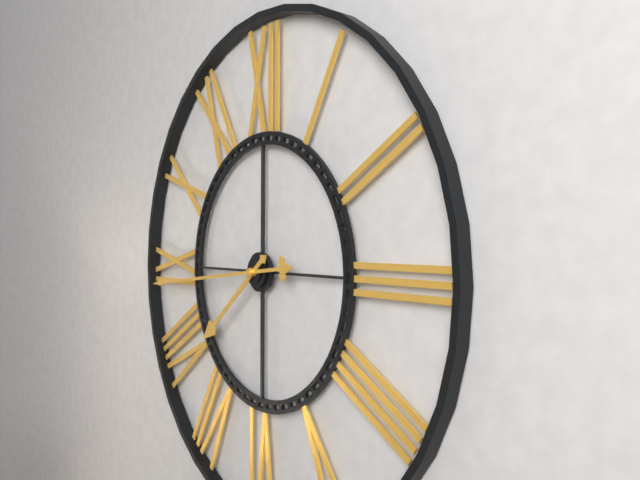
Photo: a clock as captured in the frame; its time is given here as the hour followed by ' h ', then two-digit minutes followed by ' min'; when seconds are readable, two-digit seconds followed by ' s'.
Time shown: 7 h 44 min
